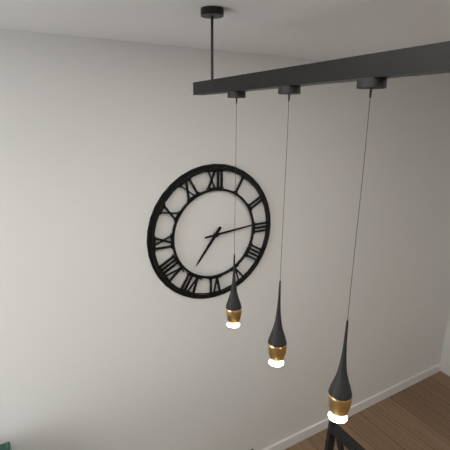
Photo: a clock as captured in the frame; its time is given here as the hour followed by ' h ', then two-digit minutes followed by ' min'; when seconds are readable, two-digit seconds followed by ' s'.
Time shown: 7 h 14 min
